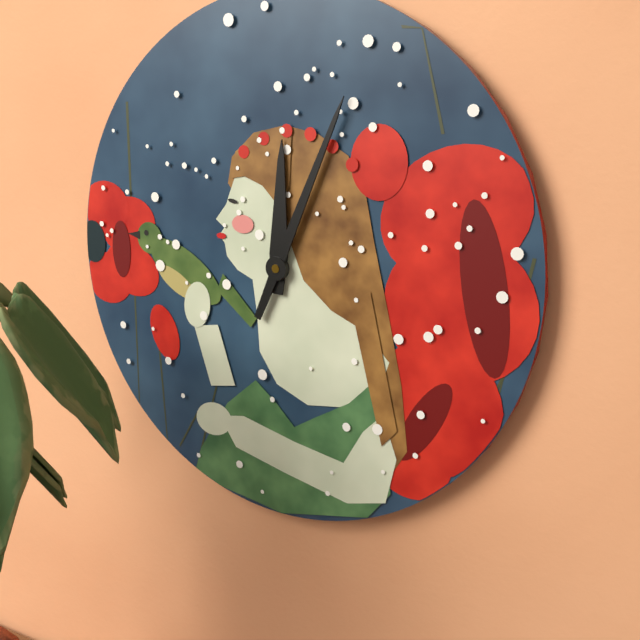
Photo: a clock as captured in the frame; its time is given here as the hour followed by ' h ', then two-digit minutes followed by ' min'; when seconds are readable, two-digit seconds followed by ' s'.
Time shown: 12 h 04 min
